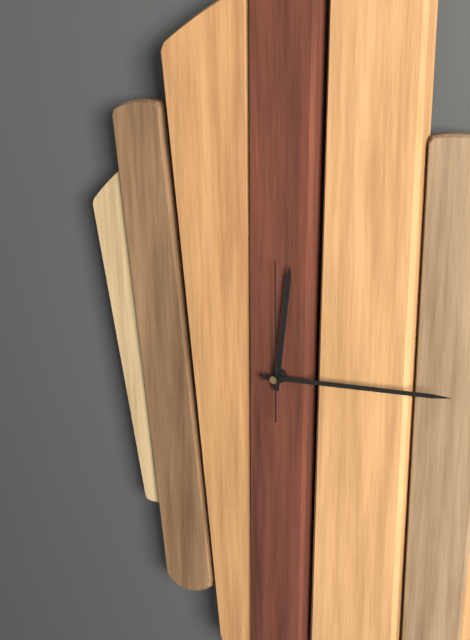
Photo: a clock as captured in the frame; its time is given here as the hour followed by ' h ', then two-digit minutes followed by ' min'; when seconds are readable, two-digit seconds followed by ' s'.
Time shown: 12 h 14 min 00 s
